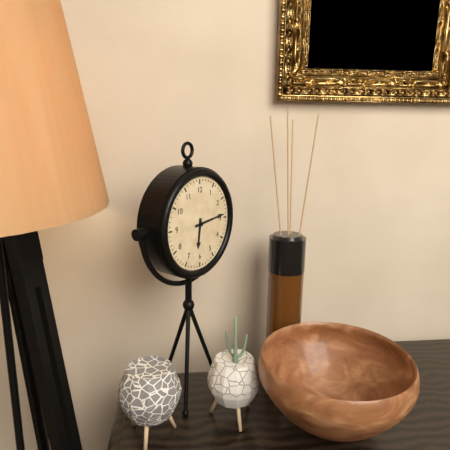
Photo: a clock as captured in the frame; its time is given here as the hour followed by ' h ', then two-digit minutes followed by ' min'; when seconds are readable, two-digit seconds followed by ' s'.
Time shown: 6 h 14 min
